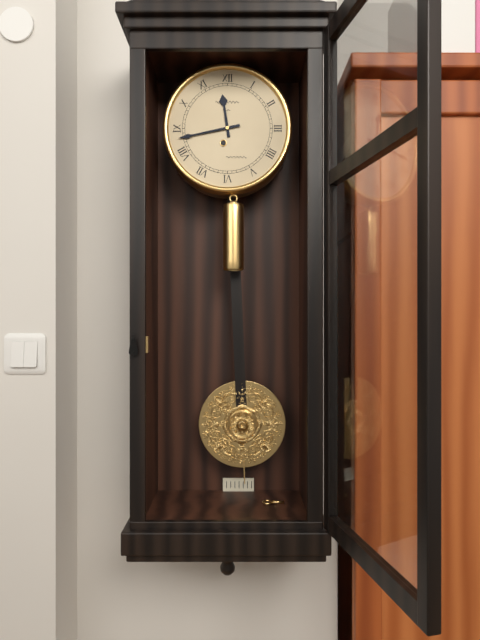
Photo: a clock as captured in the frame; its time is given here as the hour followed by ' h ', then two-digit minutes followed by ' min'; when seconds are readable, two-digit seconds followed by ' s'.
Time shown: 11 h 43 min
